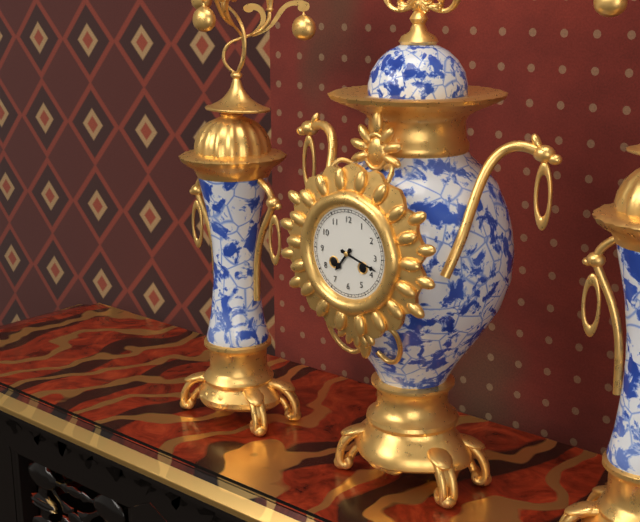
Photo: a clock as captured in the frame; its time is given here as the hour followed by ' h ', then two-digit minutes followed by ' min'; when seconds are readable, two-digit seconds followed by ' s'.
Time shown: 7 h 18 min
